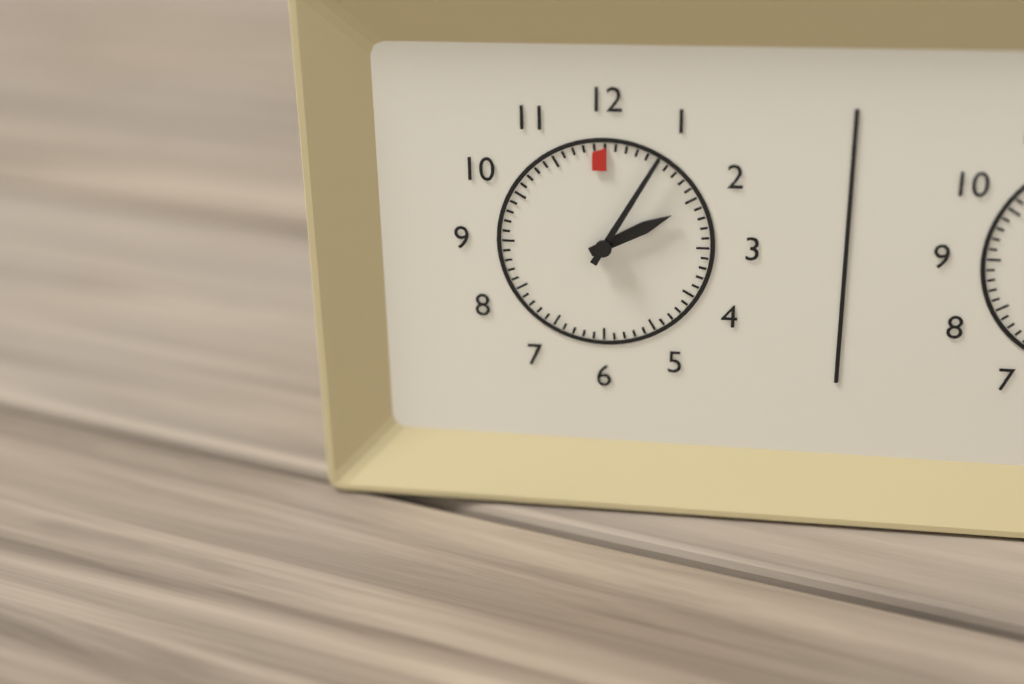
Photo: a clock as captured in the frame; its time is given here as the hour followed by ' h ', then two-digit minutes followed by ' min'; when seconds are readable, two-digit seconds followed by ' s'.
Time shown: 2 h 05 min
